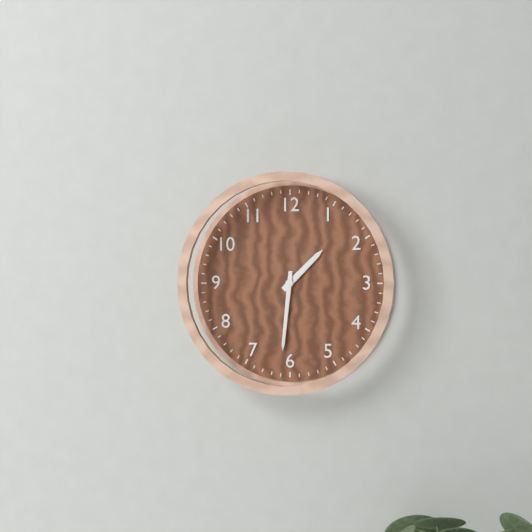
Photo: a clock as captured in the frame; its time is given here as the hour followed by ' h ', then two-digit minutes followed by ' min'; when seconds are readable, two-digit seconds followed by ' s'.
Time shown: 1 h 31 min
